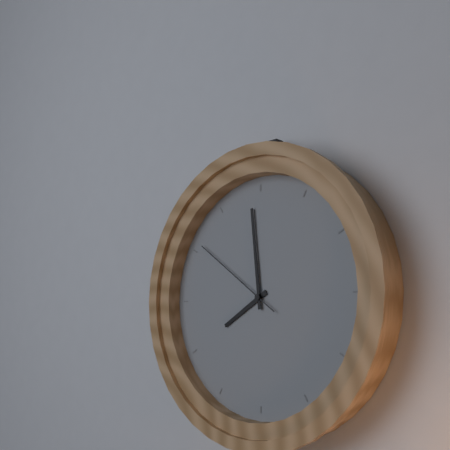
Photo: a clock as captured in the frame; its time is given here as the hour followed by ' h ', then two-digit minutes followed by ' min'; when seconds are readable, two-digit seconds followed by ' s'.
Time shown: 7 h 59 min 51 s
